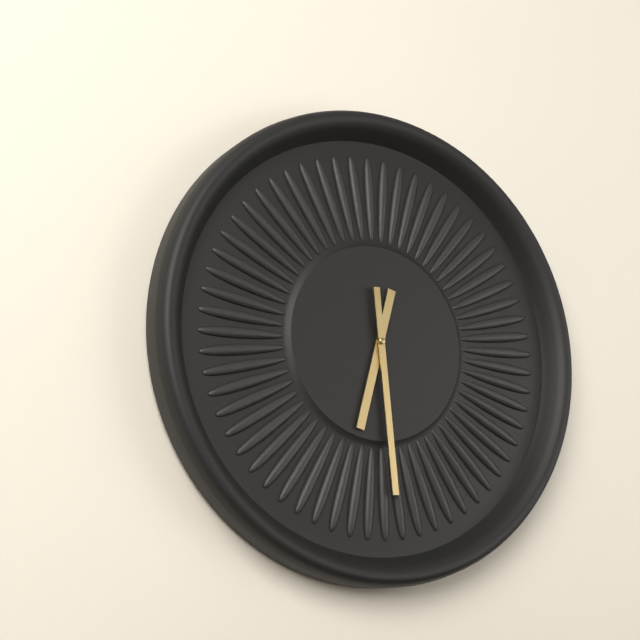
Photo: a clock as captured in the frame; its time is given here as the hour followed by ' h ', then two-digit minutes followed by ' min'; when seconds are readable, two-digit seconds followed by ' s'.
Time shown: 6 h 29 min
